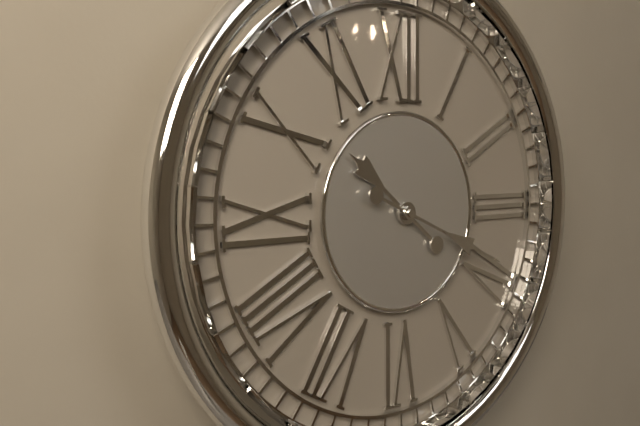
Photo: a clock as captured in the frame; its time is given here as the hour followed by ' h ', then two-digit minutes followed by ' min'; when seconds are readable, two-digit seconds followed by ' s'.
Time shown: 10 h 19 min
